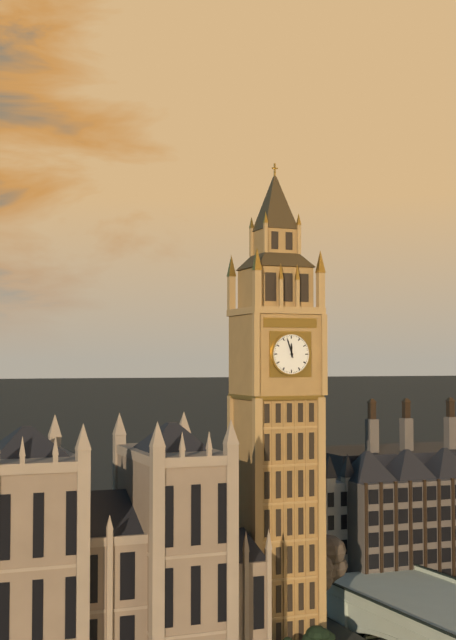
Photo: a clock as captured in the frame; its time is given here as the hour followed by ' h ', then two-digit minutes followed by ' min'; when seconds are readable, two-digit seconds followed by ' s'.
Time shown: 11 h 57 min
